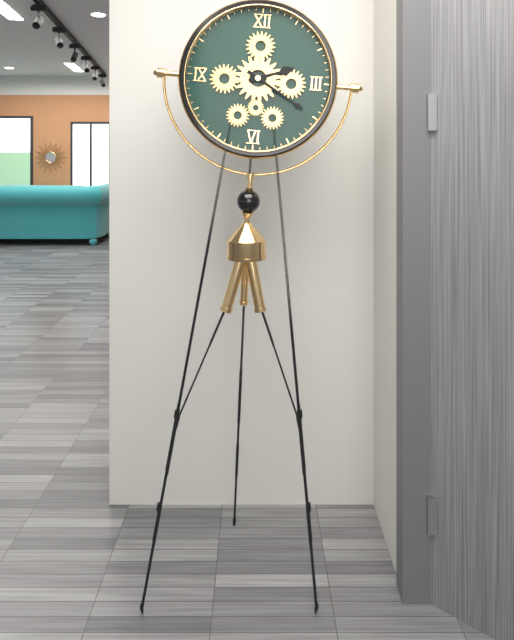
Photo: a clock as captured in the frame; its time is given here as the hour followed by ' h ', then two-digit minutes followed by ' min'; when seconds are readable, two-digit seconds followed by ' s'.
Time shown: 2 h 20 min
